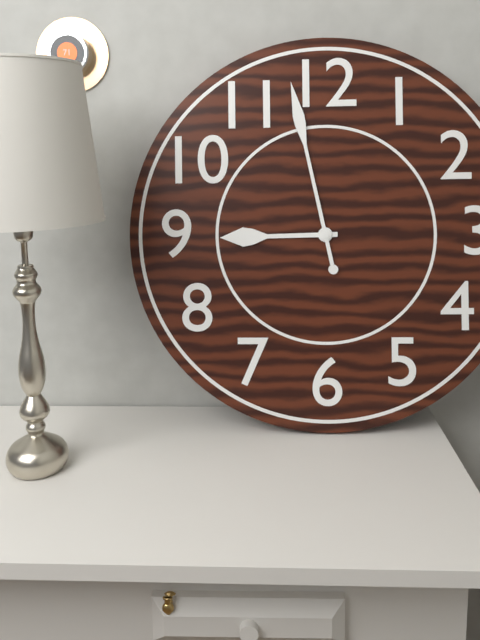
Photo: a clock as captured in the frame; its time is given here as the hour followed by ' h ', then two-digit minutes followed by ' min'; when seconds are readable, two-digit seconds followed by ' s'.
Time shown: 8 h 58 min
